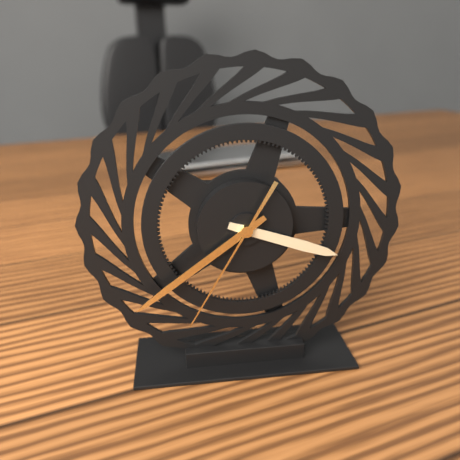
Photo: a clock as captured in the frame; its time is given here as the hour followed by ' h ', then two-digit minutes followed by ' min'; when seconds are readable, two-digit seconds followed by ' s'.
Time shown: 3 h 39 min 35 s
